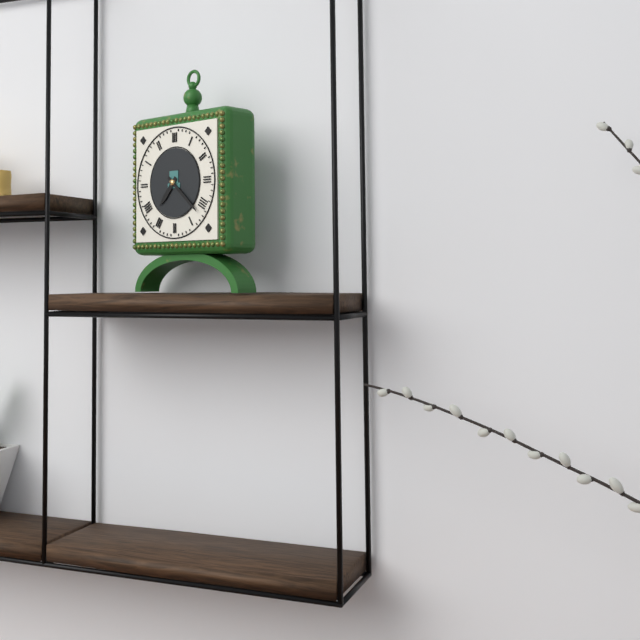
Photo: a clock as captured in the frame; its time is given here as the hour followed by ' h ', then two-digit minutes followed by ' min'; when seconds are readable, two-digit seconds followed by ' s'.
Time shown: 7 h 22 min
